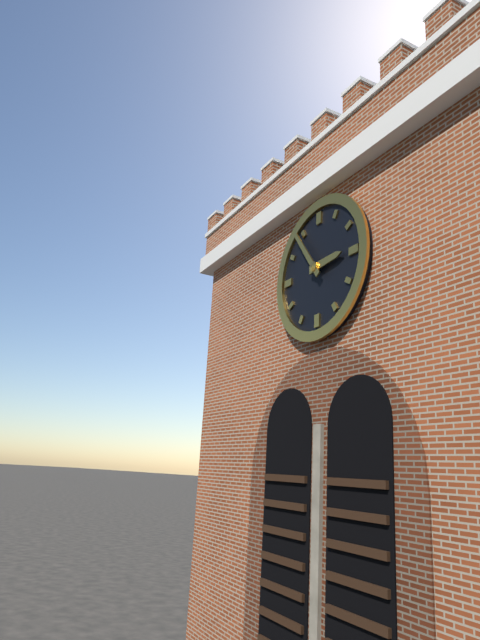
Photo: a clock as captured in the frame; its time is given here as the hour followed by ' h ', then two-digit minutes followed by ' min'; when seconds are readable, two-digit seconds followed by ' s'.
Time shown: 2 h 54 min
